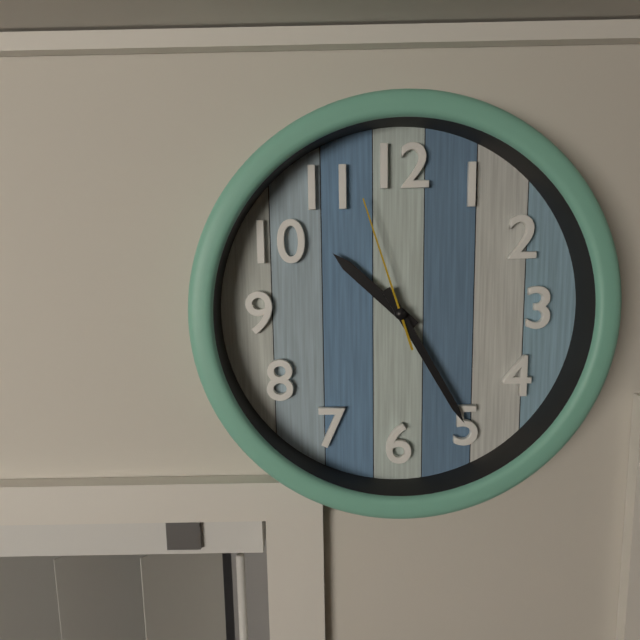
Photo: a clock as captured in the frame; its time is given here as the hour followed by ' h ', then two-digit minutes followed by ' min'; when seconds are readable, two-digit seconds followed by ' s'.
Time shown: 10 h 25 min 57 s
